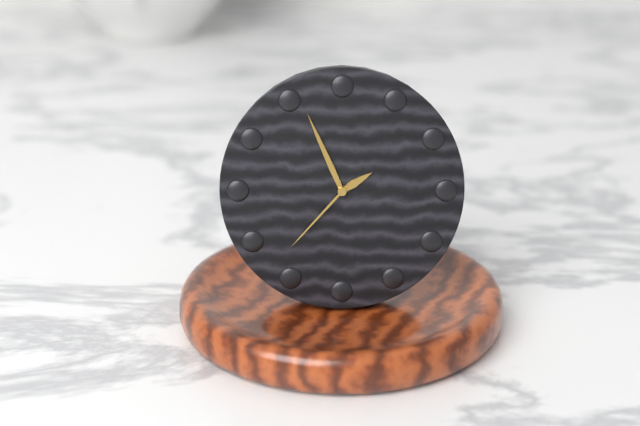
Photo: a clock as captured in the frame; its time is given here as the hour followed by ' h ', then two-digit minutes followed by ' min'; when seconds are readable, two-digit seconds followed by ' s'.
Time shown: 1 h 56 min 37 s
